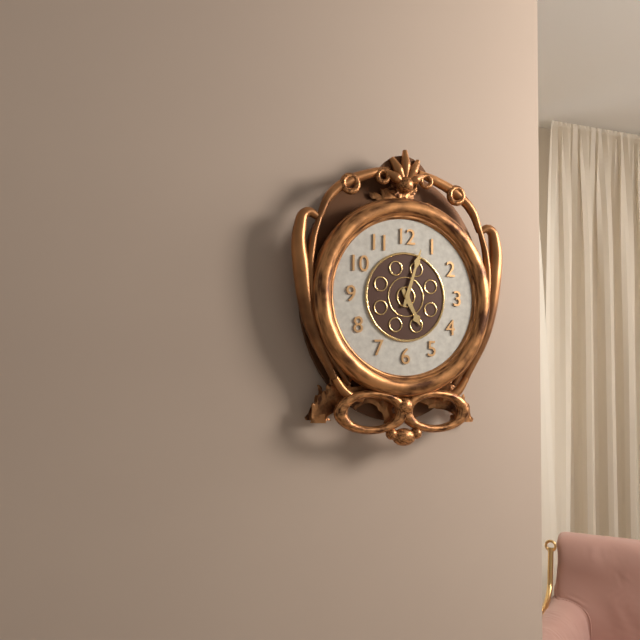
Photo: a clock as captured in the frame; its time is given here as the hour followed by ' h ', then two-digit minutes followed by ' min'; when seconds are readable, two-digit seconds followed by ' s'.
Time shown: 5 h 03 min
